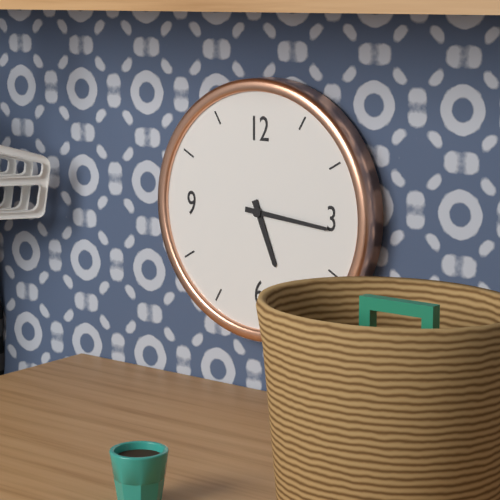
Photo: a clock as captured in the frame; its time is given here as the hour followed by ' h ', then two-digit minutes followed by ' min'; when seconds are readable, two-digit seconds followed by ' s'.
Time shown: 5 h 16 min
